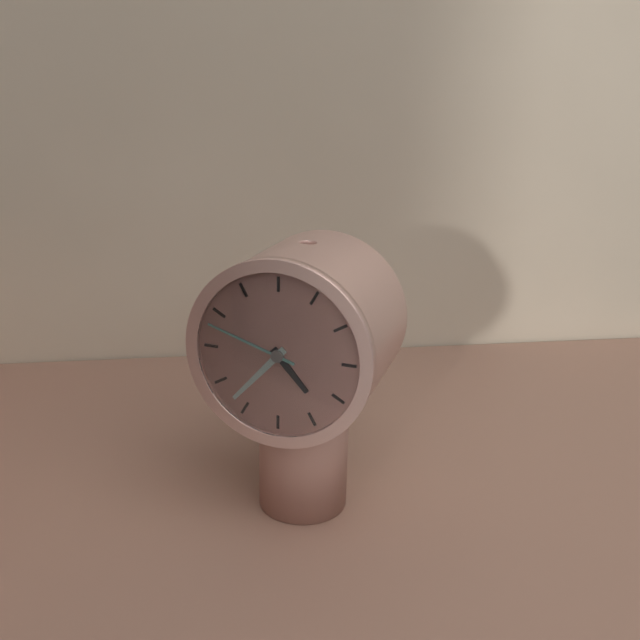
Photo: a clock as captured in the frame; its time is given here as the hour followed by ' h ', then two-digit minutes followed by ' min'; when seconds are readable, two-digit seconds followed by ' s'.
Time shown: 4 h 37 min 48 s
